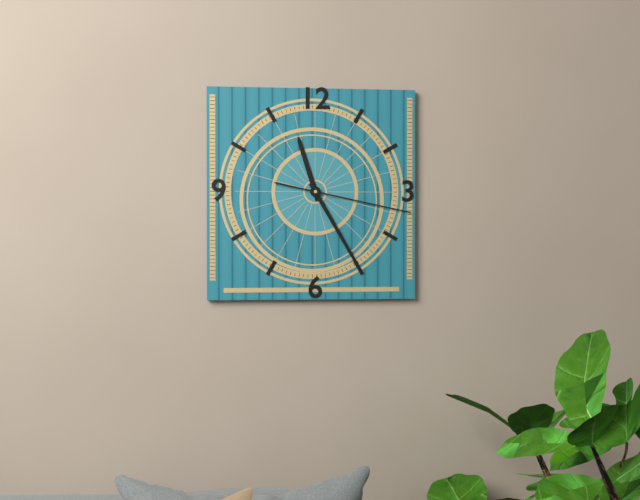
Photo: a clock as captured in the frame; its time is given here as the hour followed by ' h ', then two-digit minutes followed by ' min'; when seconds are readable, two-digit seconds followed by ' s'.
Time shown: 11 h 25 min 17 s
